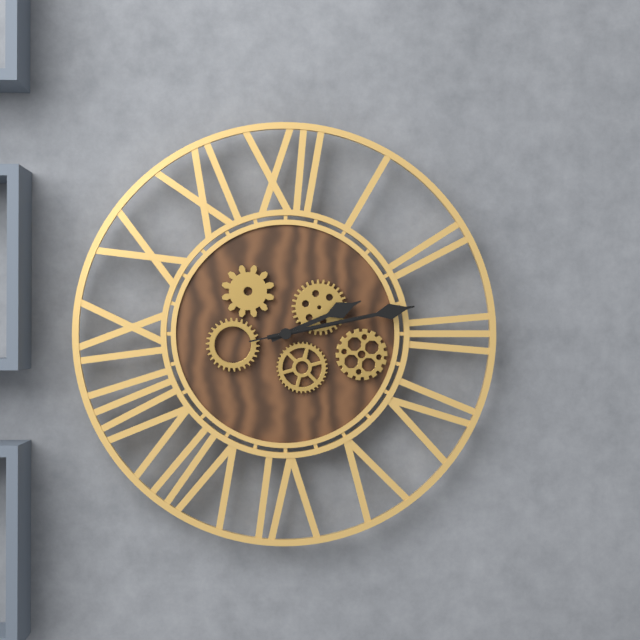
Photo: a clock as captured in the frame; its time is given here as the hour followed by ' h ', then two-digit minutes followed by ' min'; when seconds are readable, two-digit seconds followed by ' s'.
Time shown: 2 h 13 min 13 s
